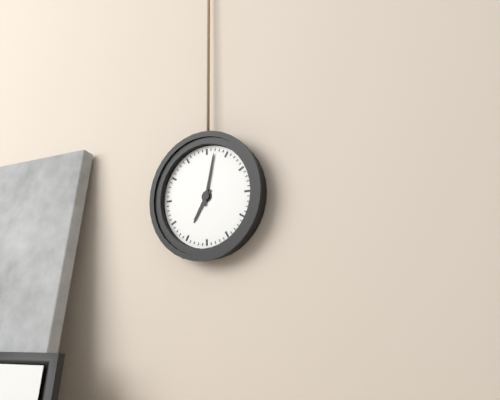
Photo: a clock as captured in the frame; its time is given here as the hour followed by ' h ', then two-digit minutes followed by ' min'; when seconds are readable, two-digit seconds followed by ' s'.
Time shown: 7 h 02 min
